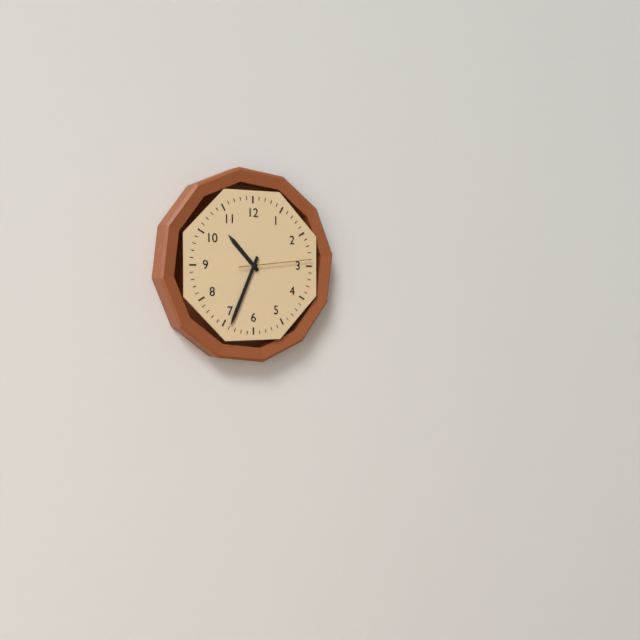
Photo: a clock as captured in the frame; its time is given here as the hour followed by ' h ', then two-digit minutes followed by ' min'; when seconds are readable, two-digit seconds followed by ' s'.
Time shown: 10 h 34 min 14 s
